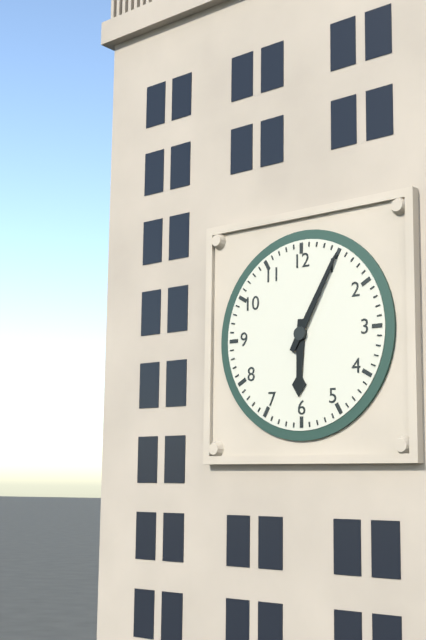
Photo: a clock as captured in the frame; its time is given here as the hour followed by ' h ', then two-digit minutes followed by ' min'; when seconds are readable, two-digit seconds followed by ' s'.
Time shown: 6 h 05 min
